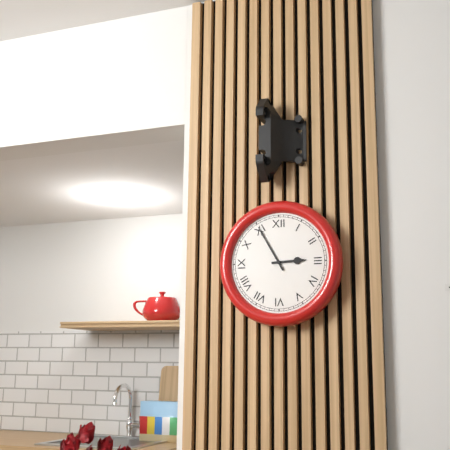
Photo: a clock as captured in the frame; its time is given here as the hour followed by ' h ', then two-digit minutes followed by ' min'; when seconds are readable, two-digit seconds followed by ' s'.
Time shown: 2 h 55 min
